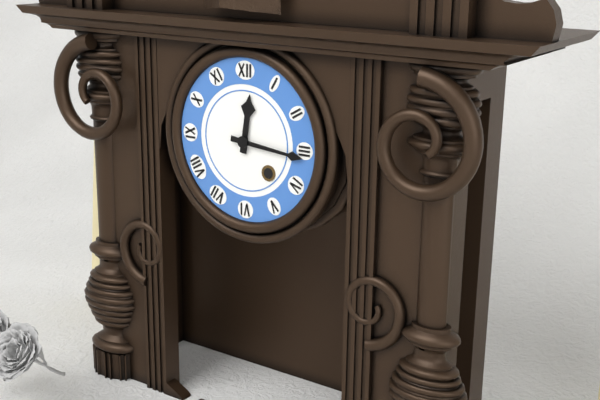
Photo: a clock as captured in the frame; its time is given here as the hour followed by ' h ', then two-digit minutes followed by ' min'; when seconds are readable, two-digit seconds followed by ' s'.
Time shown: 12 h 16 min
